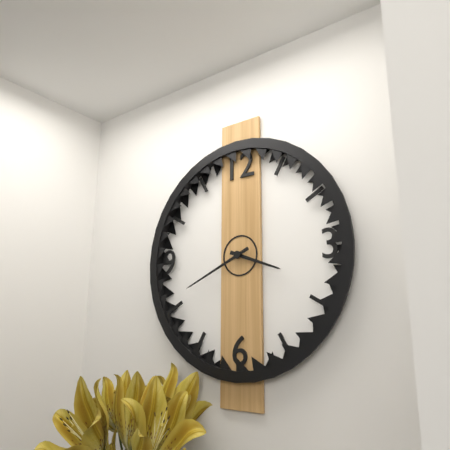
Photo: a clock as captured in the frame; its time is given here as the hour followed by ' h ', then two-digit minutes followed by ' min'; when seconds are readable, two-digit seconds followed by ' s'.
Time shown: 3 h 41 min
